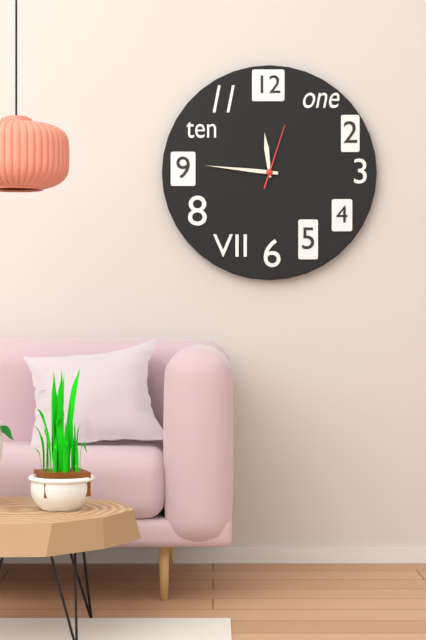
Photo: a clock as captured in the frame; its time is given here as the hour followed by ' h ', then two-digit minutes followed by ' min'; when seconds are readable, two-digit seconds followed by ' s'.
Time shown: 11 h 46 min 03 s
